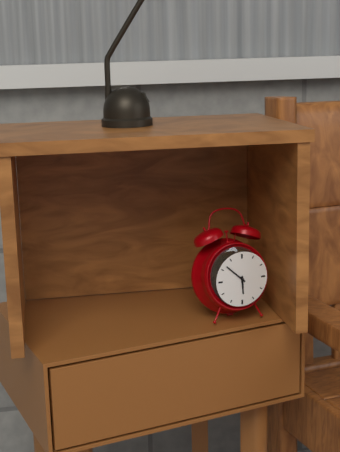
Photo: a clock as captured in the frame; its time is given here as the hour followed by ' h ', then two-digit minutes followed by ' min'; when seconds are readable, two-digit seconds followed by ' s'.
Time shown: 5 h 52 min
